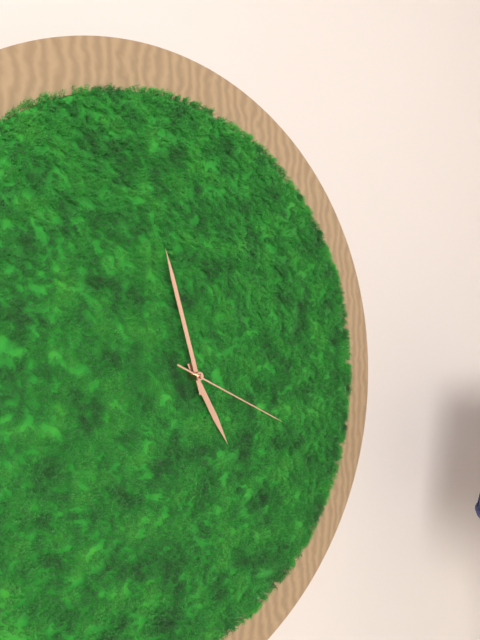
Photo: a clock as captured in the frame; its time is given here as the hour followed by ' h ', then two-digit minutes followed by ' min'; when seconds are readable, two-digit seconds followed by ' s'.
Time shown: 4 h 57 min 19 s
